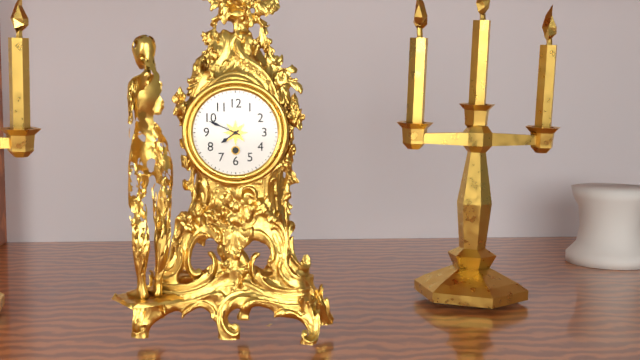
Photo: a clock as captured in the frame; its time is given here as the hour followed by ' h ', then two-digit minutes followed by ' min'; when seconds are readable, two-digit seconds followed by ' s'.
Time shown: 7 h 49 min
